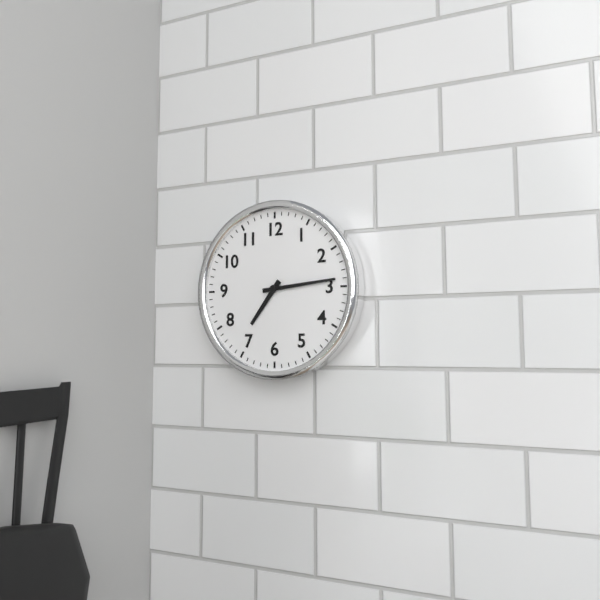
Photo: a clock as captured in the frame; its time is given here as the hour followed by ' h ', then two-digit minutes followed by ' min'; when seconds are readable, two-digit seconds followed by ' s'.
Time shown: 7 h 14 min
